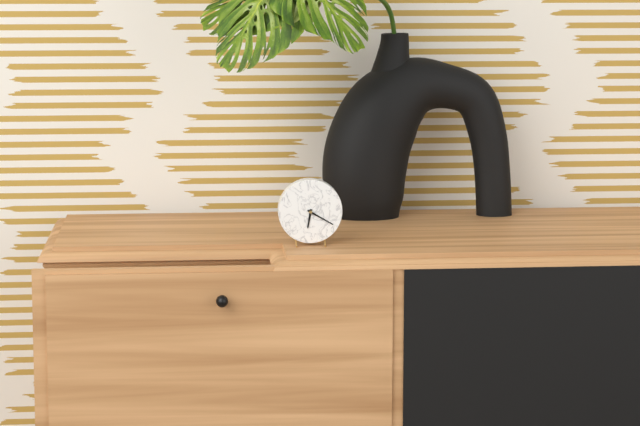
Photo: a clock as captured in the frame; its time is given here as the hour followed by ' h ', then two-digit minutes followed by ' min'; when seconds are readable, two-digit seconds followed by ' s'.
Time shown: 6 h 20 min
